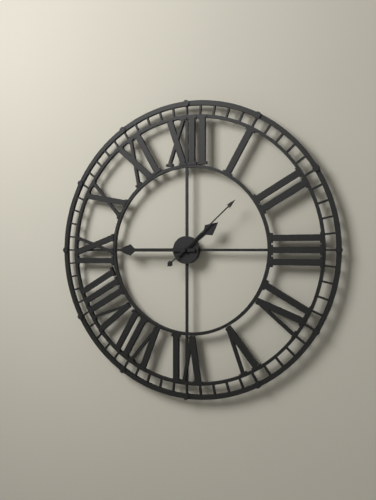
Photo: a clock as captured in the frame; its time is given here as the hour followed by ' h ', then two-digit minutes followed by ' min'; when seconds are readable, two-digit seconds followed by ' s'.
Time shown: 1 h 45 min 08 s
